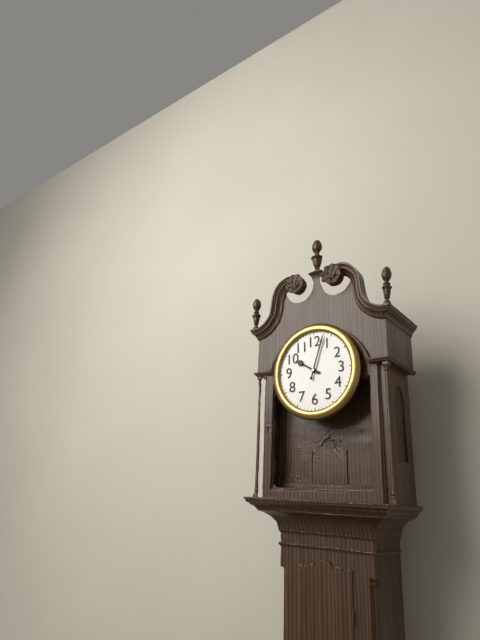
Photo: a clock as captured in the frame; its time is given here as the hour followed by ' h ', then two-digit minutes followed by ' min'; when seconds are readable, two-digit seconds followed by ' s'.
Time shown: 10 h 03 min
